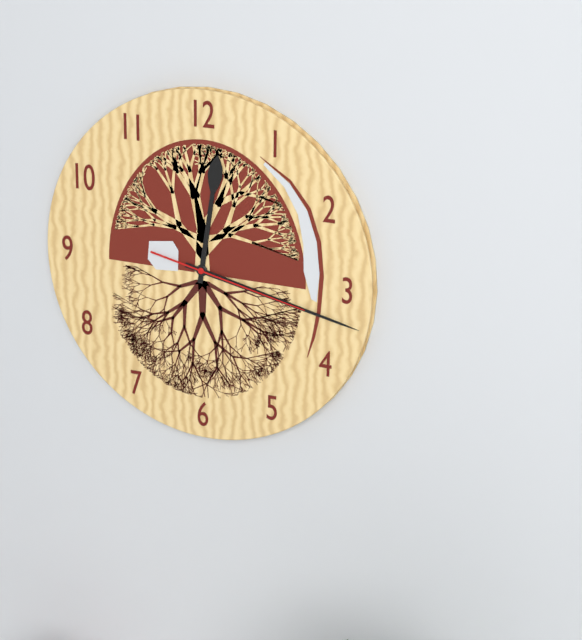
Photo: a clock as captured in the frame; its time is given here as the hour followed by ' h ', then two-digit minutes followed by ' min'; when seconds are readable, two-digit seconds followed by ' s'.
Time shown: 12 h 17 min 17 s
